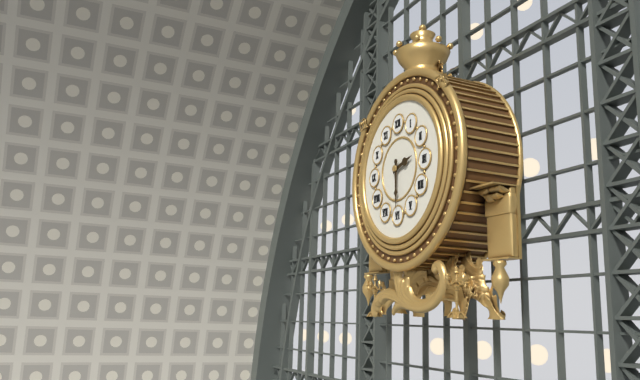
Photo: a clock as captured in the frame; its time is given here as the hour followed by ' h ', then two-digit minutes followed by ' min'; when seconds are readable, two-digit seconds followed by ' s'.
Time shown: 2 h 30 min
